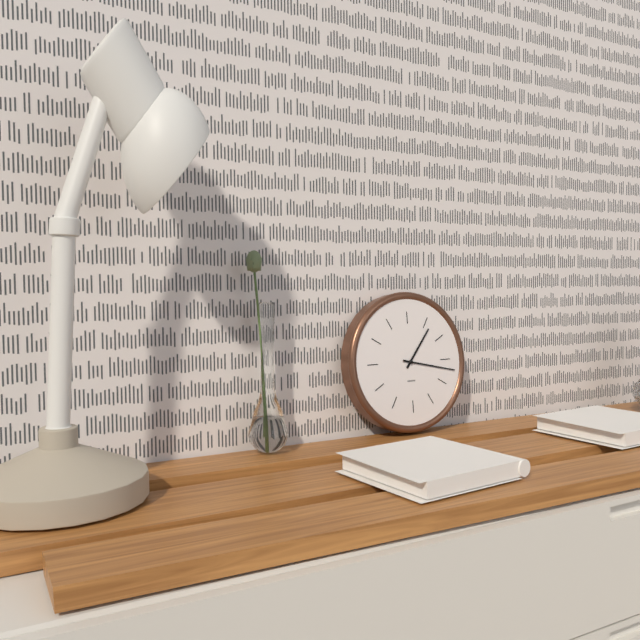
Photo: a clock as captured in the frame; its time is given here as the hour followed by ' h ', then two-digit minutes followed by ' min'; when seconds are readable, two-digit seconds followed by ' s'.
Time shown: 1 h 17 min
